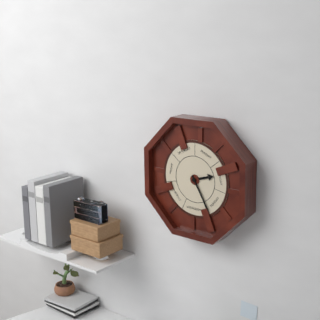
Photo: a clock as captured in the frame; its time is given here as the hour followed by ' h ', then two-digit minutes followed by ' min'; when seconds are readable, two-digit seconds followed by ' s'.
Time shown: 2 h 25 min
